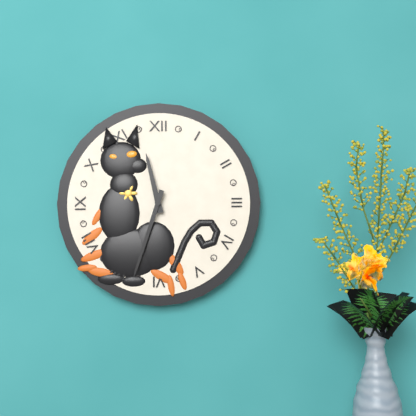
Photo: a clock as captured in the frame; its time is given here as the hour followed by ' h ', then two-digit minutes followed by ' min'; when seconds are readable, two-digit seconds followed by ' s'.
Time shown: 11 h 33 min
